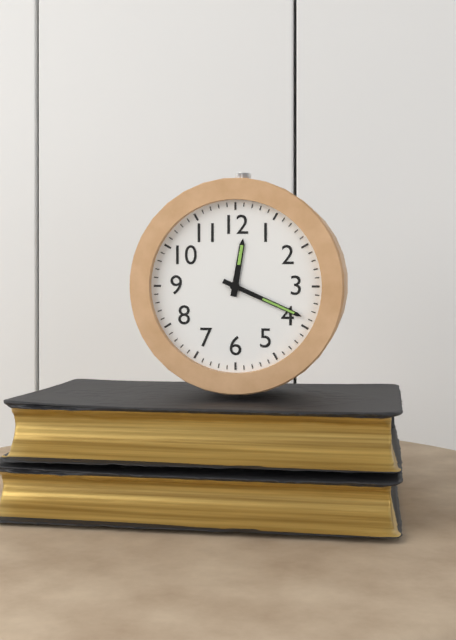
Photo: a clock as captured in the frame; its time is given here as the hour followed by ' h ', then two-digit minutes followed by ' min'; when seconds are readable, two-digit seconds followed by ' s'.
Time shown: 12 h 19 min
